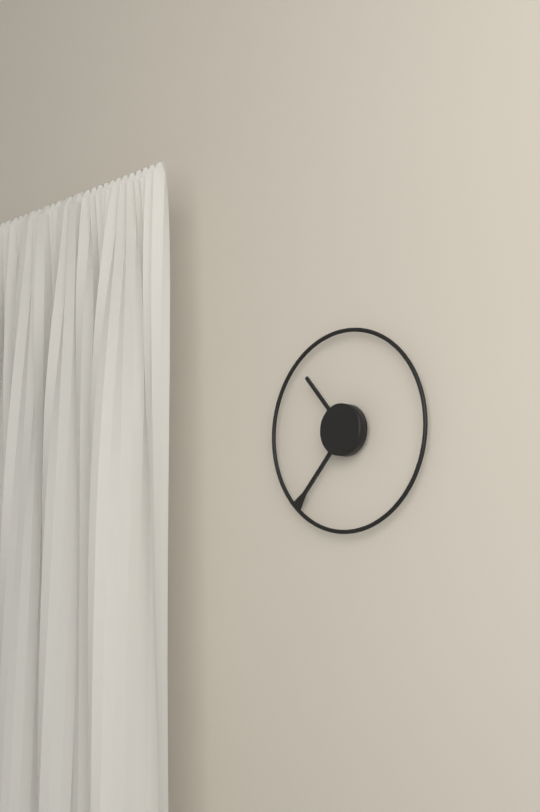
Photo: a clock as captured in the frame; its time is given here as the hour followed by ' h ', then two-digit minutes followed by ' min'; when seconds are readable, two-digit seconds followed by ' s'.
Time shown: 10 h 37 min
